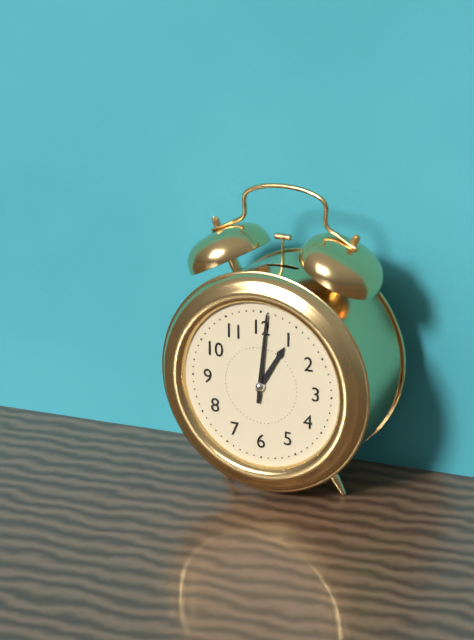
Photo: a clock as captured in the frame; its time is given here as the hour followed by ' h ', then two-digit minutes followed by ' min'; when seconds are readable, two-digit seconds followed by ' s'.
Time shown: 1 h 01 min
